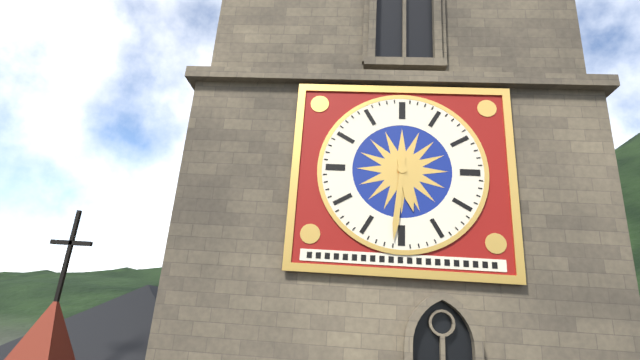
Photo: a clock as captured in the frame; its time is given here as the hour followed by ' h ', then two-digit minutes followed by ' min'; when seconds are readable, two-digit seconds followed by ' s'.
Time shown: 5 h 31 min
